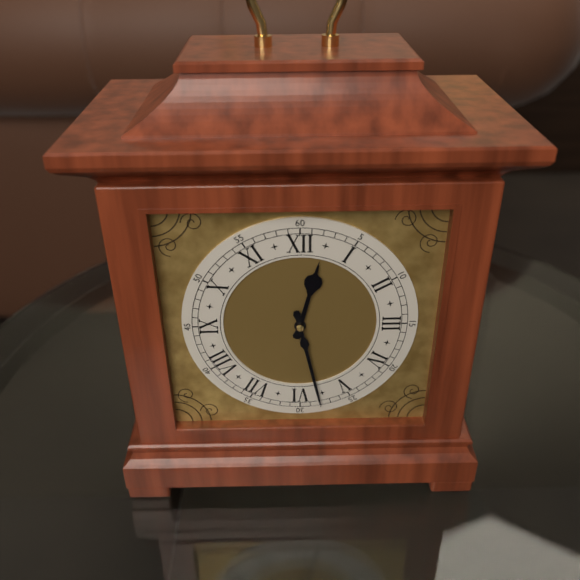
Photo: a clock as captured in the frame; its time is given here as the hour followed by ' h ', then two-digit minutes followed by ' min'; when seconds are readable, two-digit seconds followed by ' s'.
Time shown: 12 h 28 min
